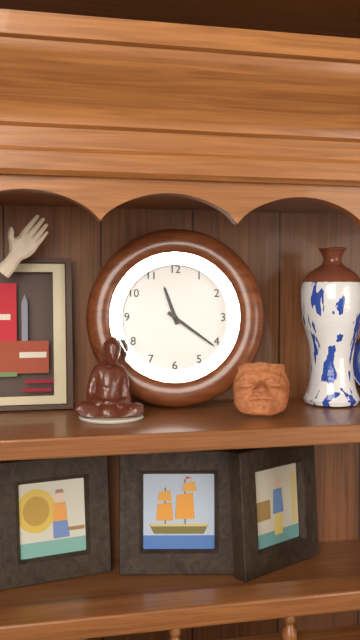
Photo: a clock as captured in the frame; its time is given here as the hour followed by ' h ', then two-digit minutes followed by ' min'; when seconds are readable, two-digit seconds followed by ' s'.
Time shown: 11 h 21 min
